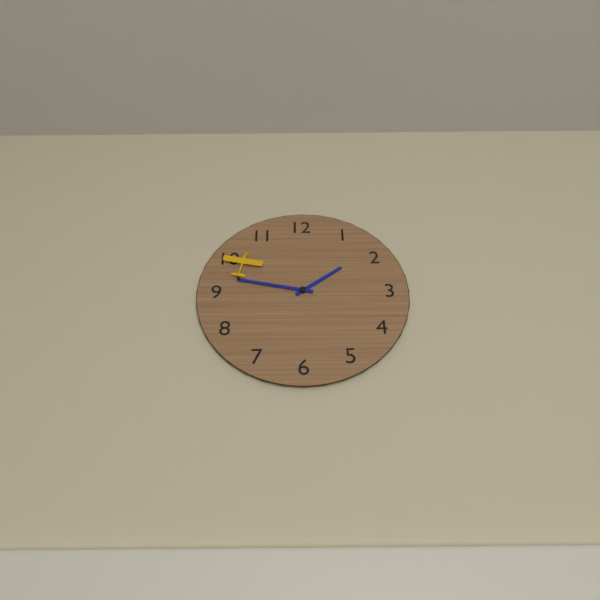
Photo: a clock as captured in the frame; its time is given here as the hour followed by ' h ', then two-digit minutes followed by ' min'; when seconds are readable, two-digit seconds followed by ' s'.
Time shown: 1 h 47 min
